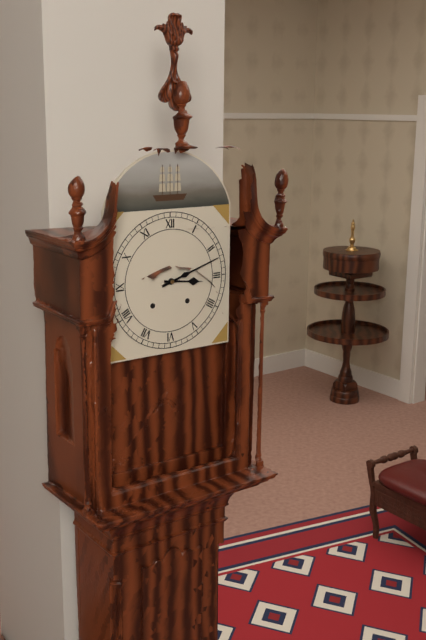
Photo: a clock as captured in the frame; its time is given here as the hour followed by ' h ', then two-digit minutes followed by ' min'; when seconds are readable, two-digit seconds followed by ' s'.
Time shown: 3 h 12 min
